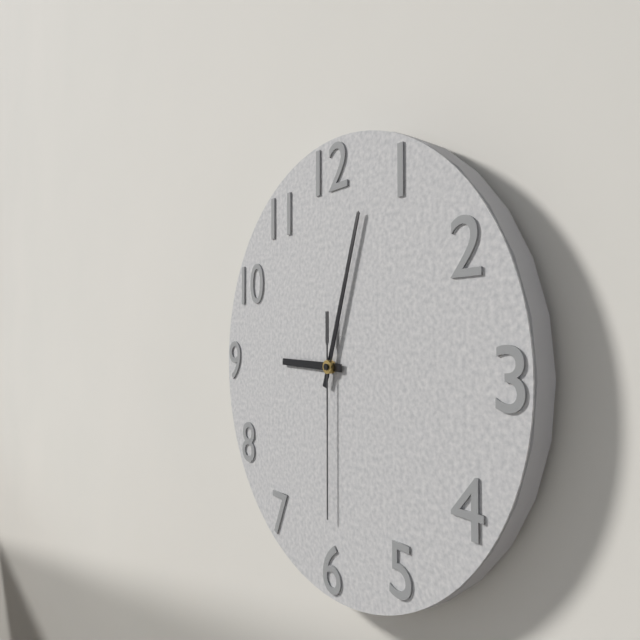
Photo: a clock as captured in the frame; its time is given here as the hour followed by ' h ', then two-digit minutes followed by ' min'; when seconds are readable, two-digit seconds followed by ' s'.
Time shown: 9 h 03 min 30 s
